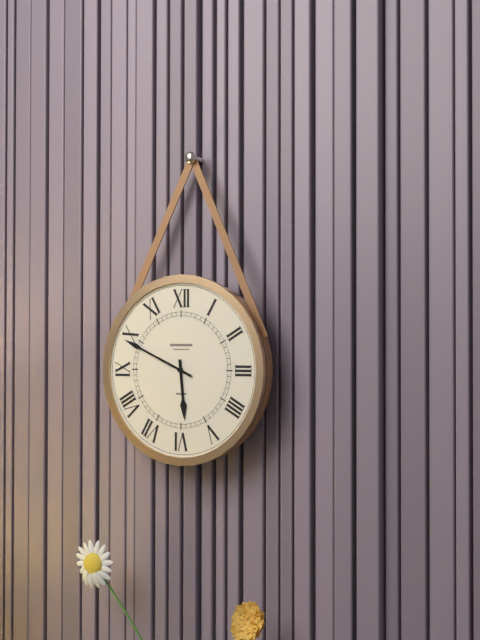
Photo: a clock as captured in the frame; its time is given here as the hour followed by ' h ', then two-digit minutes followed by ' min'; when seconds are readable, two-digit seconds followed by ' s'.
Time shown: 5 h 49 min
